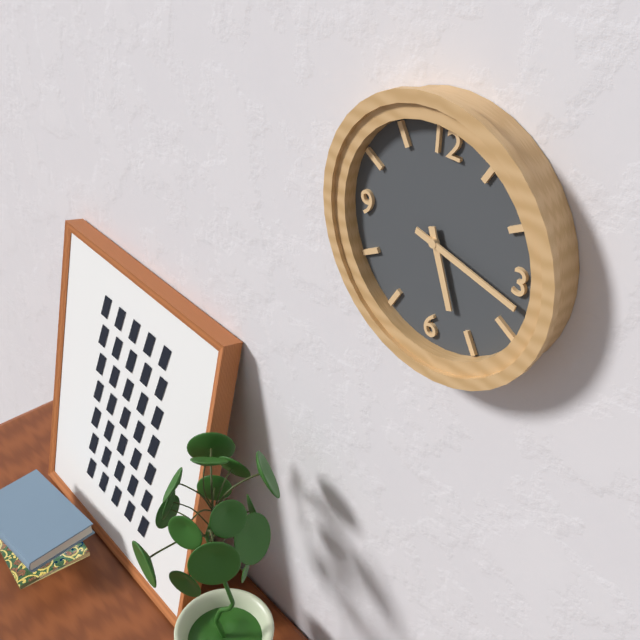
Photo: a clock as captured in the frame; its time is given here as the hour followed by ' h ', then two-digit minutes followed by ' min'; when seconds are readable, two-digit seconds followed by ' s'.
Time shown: 5 h 17 min
